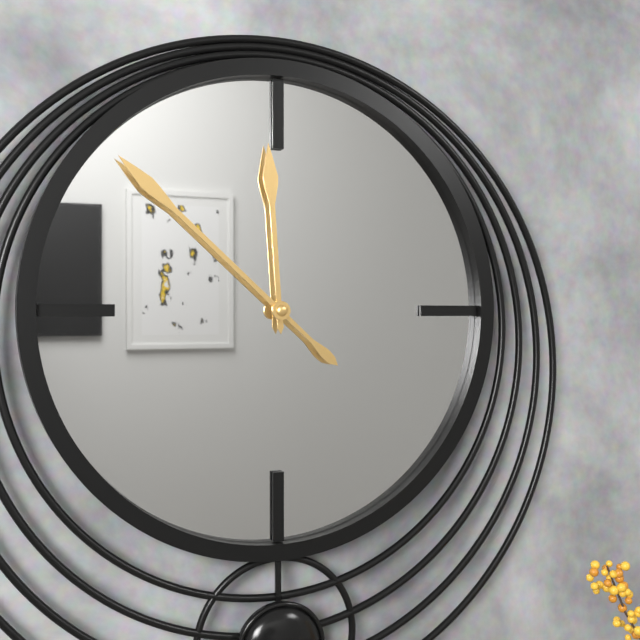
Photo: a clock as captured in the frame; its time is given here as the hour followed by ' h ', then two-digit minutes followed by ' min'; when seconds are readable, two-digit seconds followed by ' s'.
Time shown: 11 h 52 min
